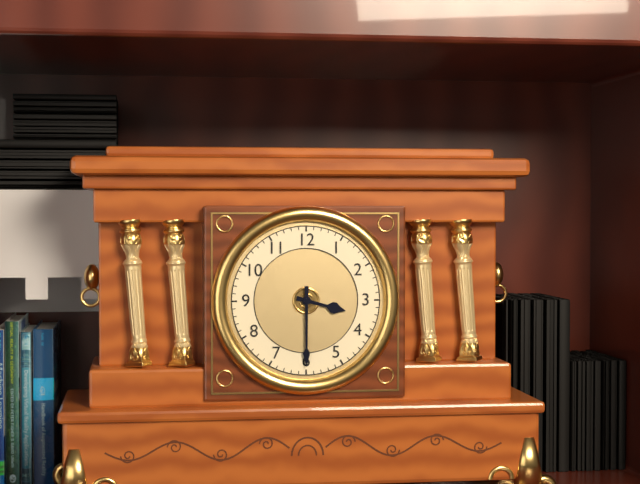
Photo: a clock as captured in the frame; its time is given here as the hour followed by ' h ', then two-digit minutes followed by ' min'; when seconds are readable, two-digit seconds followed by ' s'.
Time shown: 3 h 30 min
